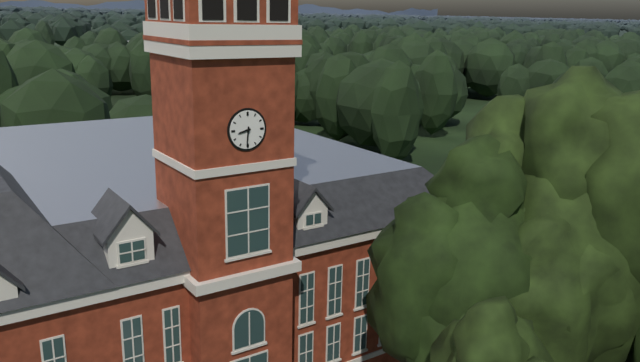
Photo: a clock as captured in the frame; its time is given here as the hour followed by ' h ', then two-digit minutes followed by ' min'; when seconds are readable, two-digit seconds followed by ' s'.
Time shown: 8 h 31 min
